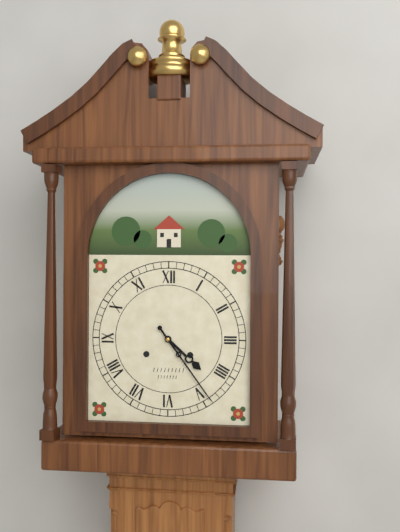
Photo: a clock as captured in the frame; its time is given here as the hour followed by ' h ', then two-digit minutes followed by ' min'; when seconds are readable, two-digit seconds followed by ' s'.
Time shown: 4 h 24 min
